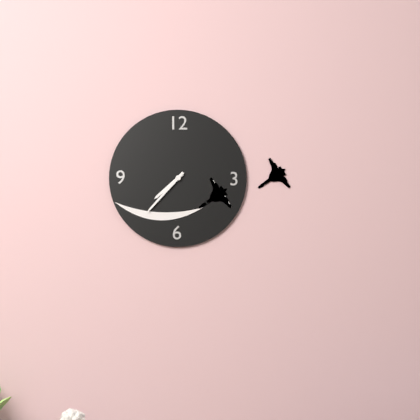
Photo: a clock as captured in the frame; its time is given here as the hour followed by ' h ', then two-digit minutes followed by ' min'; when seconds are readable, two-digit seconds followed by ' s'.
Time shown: 7 h 37 min
